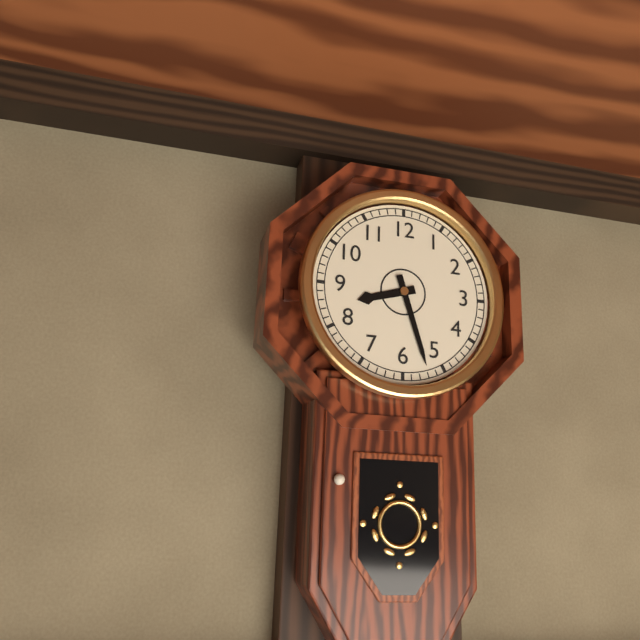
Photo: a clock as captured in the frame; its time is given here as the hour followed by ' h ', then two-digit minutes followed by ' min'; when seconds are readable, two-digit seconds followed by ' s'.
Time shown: 8 h 27 min
